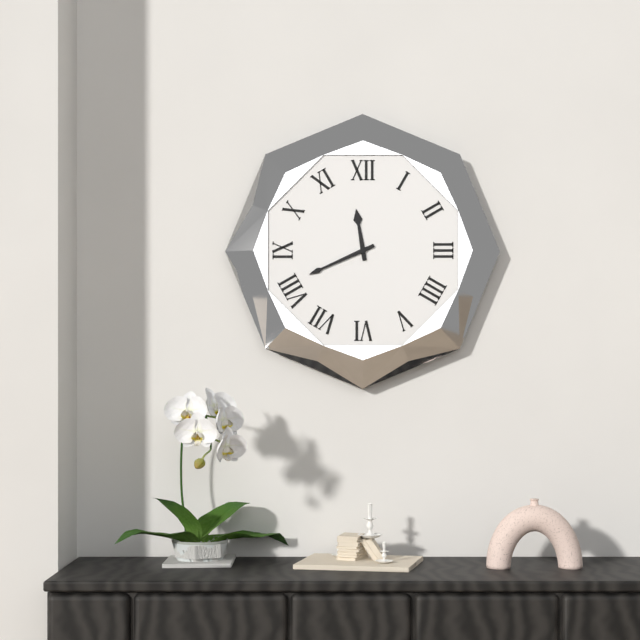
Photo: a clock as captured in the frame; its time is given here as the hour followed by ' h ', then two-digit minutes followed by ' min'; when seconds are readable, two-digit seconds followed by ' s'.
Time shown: 11 h 41 min
